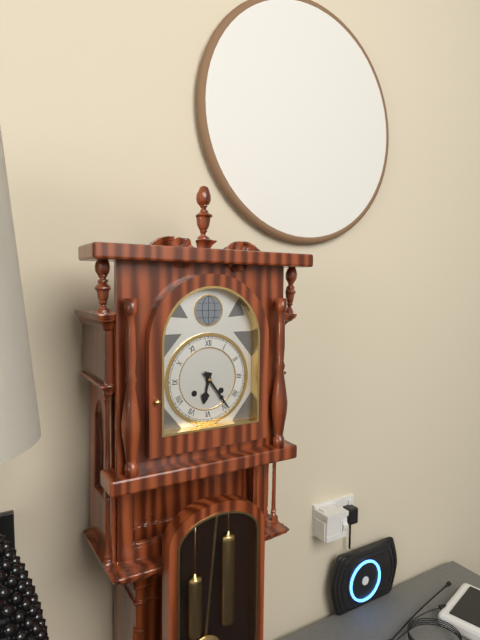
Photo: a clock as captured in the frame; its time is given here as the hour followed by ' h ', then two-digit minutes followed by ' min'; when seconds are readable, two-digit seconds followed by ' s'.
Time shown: 6 h 24 min
